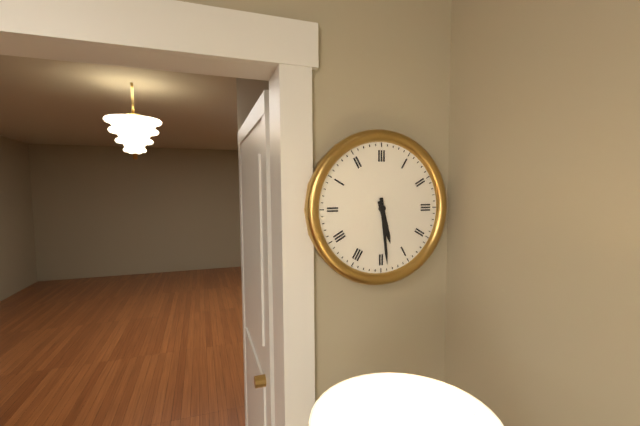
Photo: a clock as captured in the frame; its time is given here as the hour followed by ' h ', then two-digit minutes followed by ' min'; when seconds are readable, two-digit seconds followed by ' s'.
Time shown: 5 h 29 min
